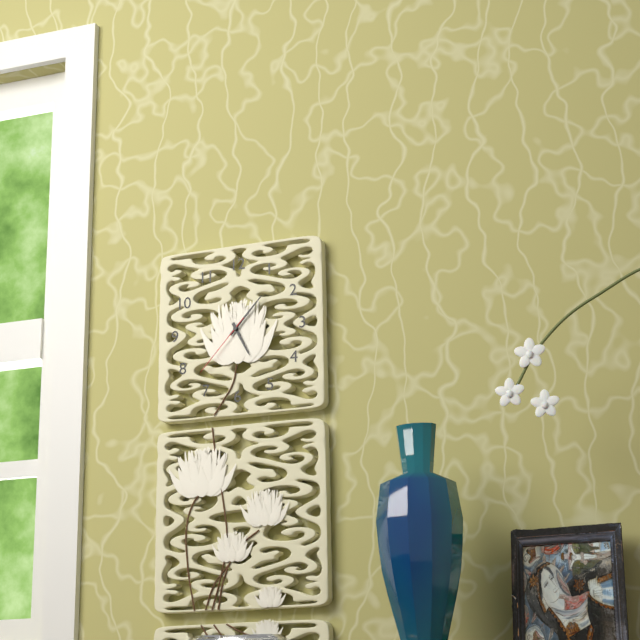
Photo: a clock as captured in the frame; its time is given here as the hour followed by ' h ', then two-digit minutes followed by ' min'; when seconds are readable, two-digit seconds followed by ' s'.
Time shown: 5 h 07 min 37 s
